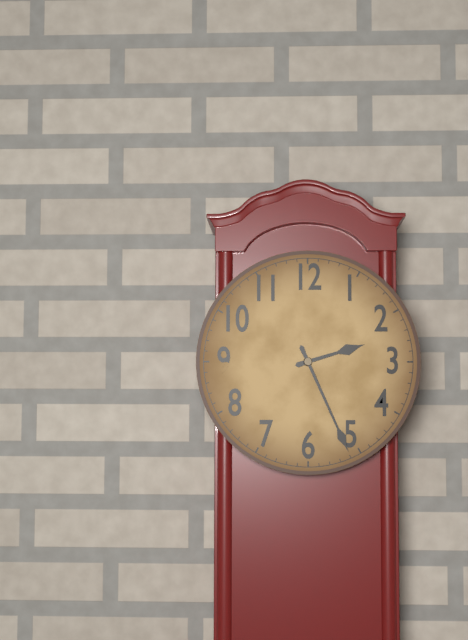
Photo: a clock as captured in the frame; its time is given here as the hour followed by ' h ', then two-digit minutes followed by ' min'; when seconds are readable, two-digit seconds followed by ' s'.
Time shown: 2 h 26 min
